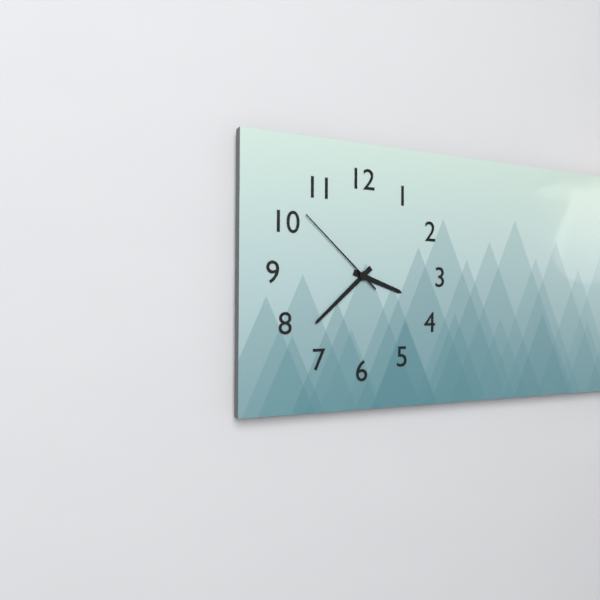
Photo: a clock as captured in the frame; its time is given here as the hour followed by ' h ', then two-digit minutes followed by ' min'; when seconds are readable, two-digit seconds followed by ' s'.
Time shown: 3 h 38 min 52 s
